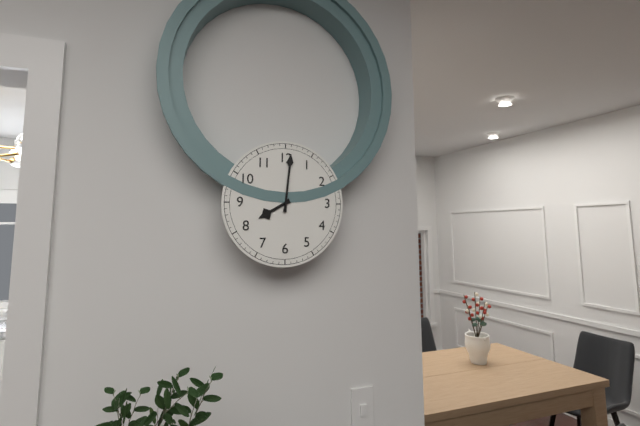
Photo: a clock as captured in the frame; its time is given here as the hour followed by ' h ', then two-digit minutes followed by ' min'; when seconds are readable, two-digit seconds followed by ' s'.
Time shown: 8 h 01 min
